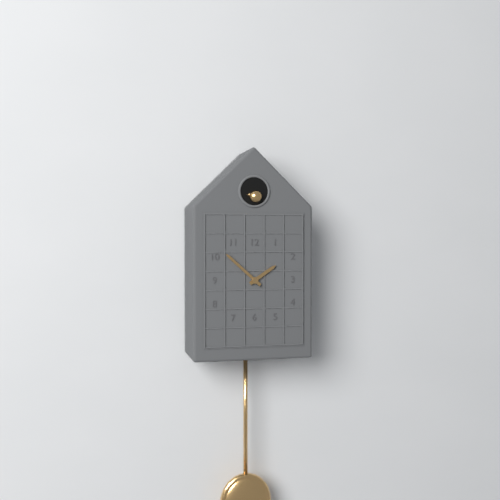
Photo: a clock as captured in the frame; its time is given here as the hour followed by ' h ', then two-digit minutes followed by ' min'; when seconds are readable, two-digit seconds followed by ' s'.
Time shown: 1 h 52 min
